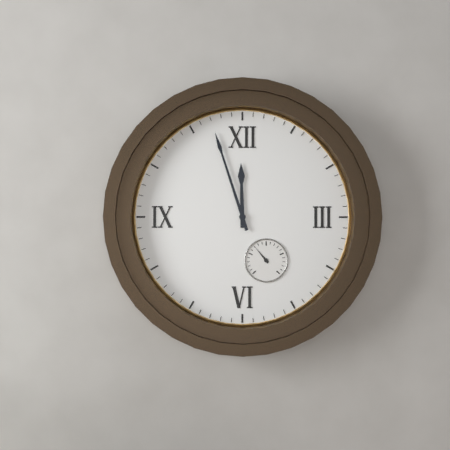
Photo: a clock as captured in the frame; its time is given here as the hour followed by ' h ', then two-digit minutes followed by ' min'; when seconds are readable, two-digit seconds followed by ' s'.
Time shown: 11 h 57 min
